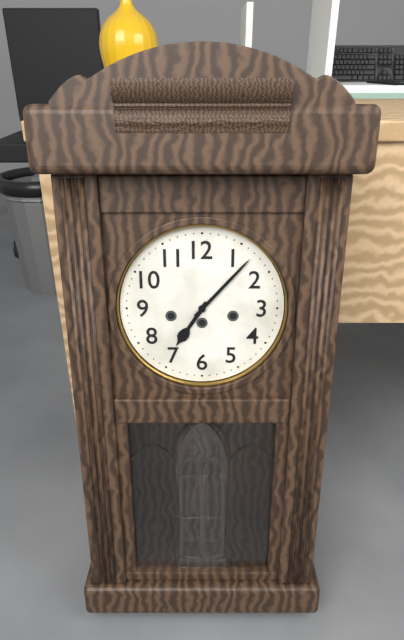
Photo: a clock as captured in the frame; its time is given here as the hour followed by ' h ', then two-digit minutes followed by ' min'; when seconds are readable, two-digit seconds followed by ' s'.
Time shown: 7 h 07 min
